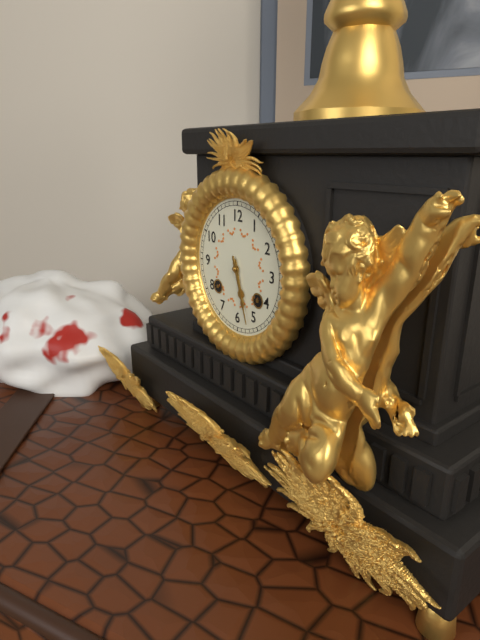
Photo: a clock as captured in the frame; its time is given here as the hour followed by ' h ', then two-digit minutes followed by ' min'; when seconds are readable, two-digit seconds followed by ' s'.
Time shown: 5 h 27 min
